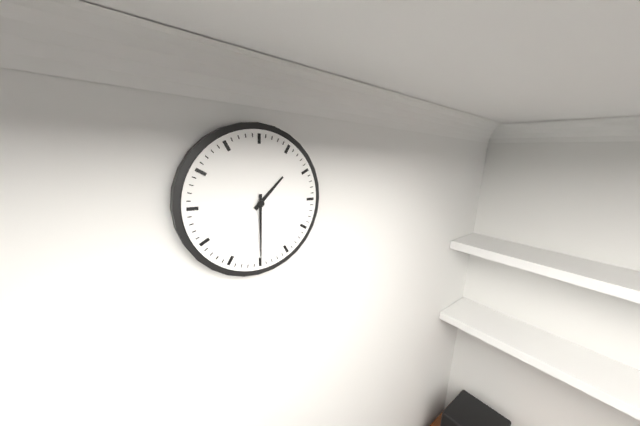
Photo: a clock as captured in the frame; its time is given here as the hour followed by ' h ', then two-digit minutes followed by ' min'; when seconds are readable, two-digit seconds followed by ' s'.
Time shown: 1 h 30 min
